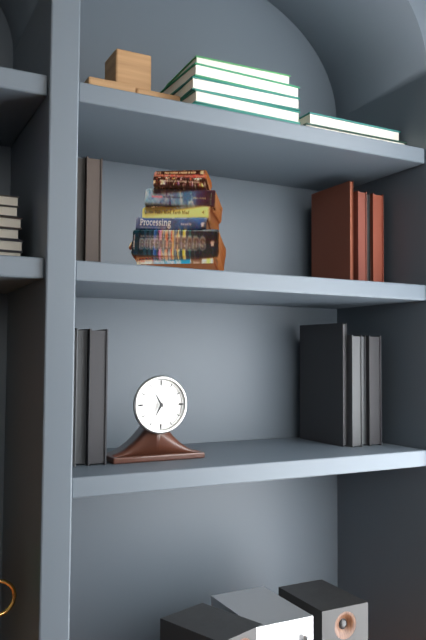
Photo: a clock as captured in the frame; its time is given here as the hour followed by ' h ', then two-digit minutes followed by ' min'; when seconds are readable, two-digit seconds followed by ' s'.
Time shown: 6 h 55 min
